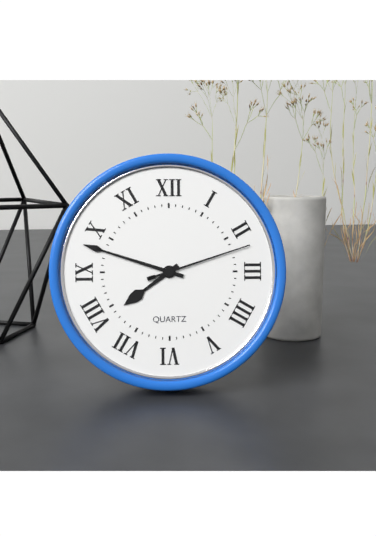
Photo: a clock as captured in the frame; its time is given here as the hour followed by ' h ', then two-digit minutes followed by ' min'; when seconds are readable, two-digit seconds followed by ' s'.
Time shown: 7 h 48 min 12 s
